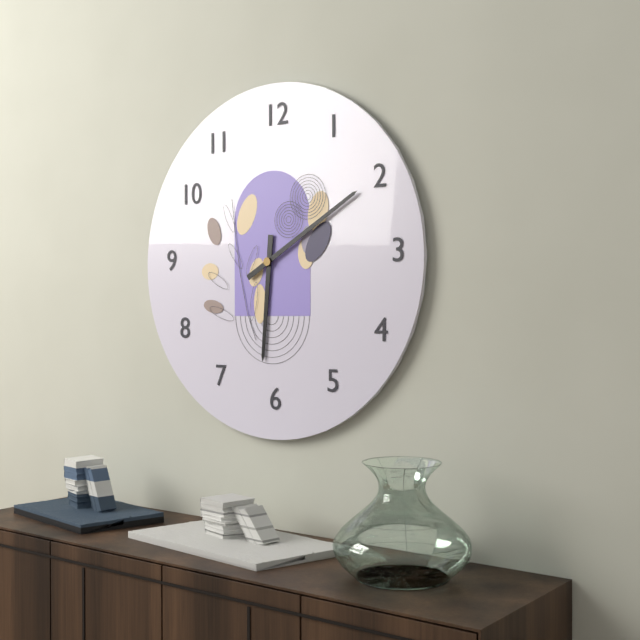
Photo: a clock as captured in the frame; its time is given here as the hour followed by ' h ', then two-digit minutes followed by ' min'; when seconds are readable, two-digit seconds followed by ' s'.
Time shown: 6 h 10 min
